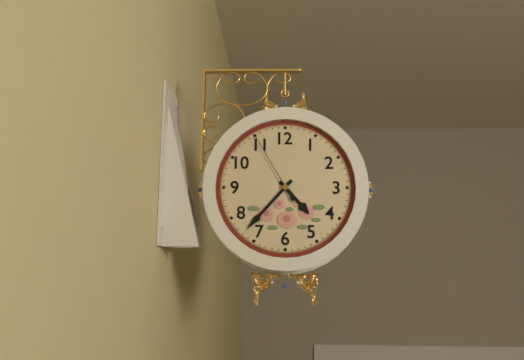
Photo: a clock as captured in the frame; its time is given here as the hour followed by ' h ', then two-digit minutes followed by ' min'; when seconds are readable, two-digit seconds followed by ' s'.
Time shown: 4 h 37 min 55 s
